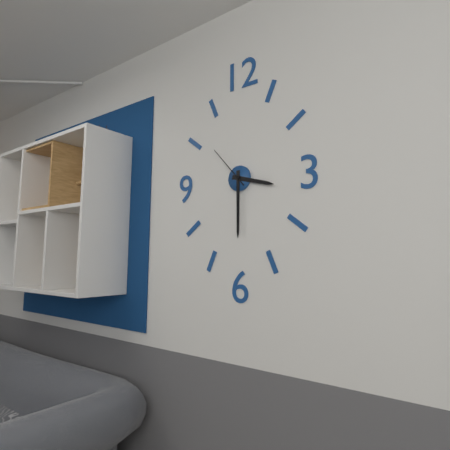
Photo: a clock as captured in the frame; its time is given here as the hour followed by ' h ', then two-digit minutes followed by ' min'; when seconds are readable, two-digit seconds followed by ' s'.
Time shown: 3 h 30 min
